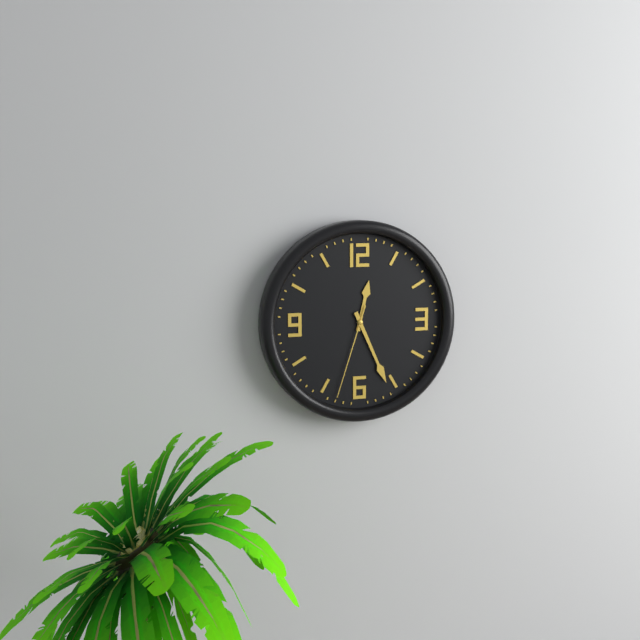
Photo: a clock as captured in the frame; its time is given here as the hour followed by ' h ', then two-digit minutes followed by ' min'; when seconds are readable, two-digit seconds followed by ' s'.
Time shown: 12 h 26 min 33 s
